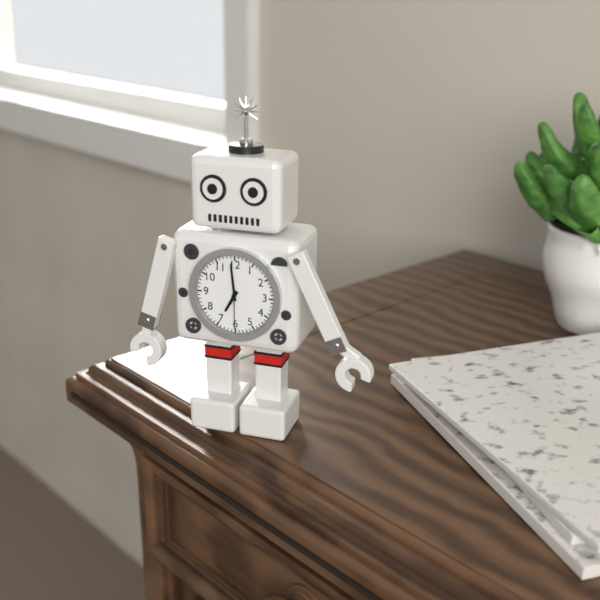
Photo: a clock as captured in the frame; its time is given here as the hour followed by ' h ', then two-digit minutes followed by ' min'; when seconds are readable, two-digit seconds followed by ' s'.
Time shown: 6 h 59 min 30 s
